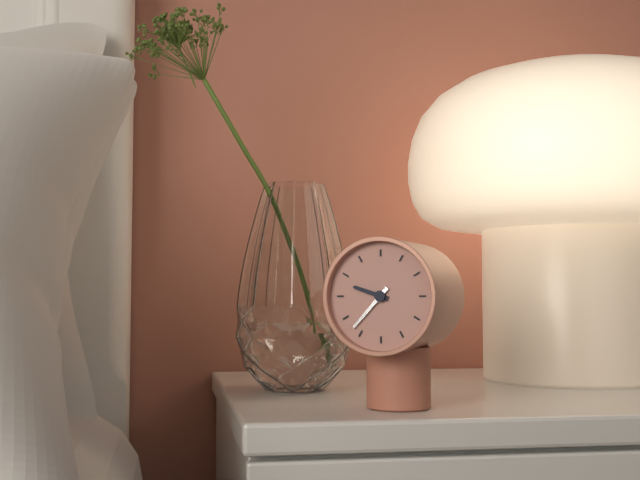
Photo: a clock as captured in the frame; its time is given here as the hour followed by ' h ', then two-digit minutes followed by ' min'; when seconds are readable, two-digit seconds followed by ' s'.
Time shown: 9 h 37 min
